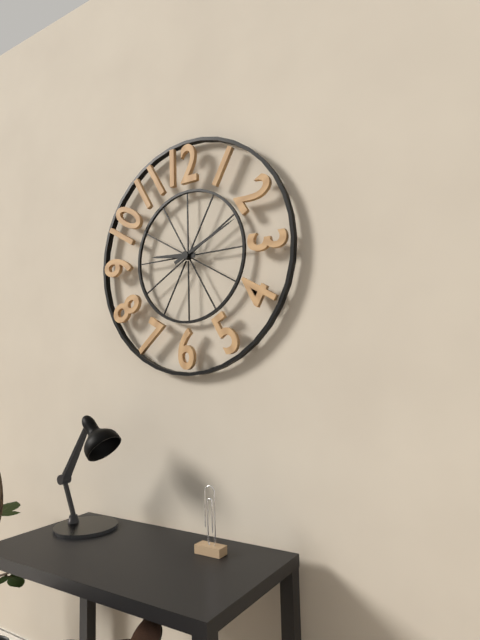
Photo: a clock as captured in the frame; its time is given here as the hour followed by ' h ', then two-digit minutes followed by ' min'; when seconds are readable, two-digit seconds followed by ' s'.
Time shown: 9 h 11 min
